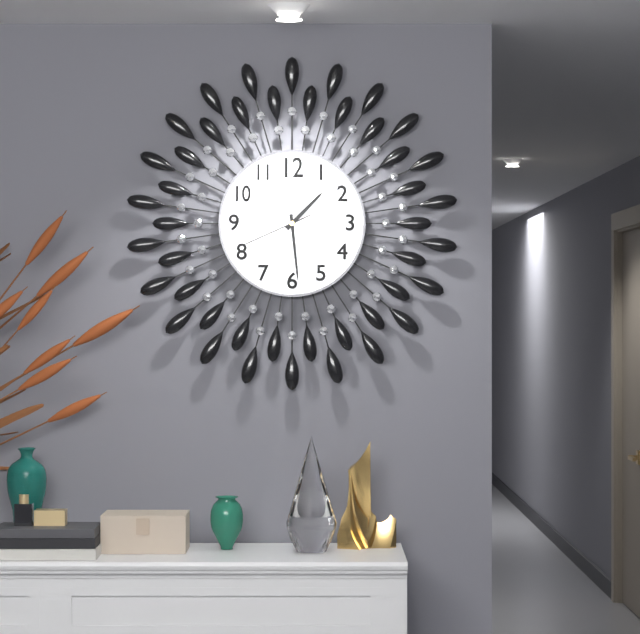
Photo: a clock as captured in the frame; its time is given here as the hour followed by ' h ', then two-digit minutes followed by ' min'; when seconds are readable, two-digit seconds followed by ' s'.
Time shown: 1 h 29 min 41 s
